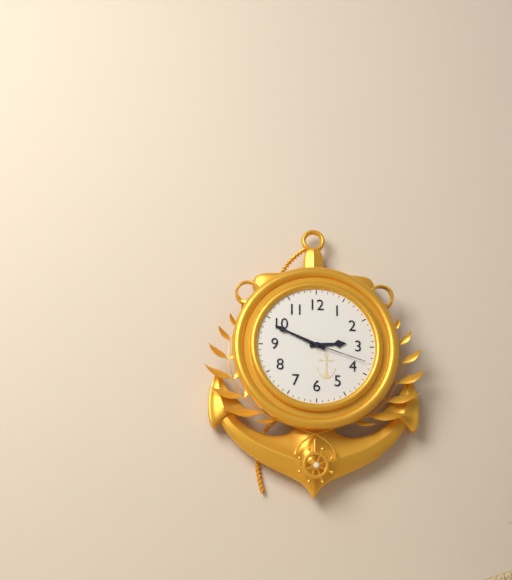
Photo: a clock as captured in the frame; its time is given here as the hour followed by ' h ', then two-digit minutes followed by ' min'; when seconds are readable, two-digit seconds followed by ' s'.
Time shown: 2 h 49 min 18 s
